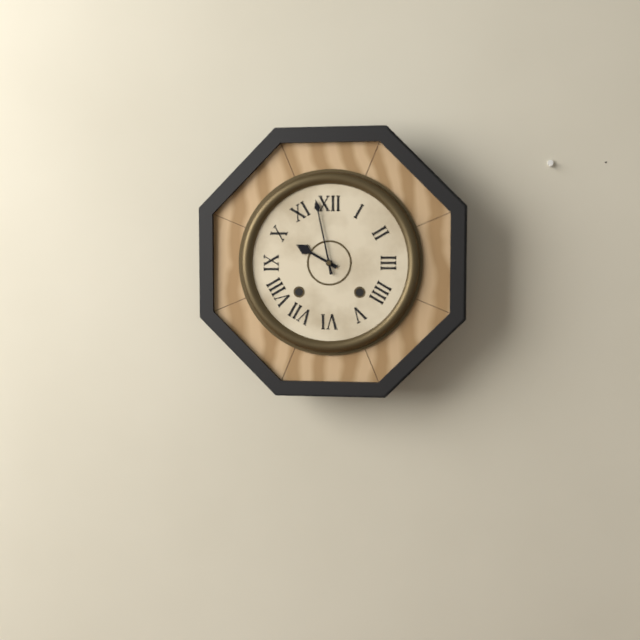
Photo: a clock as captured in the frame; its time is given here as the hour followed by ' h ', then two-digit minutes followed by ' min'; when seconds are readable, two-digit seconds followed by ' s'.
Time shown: 9 h 58 min
